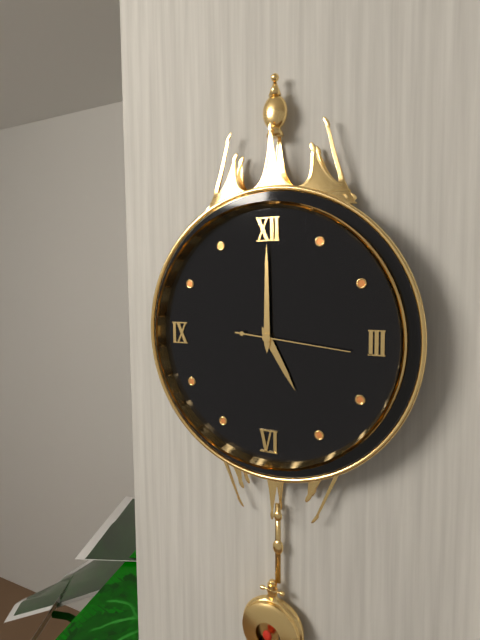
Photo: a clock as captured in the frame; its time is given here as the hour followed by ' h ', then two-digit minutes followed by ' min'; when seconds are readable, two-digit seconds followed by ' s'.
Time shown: 5 h 00 min 16 s
